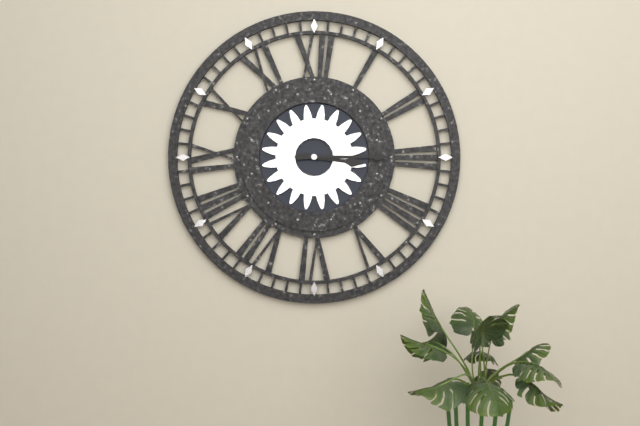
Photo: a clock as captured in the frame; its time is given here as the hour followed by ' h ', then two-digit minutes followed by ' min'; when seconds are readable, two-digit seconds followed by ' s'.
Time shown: 3 h 15 min
